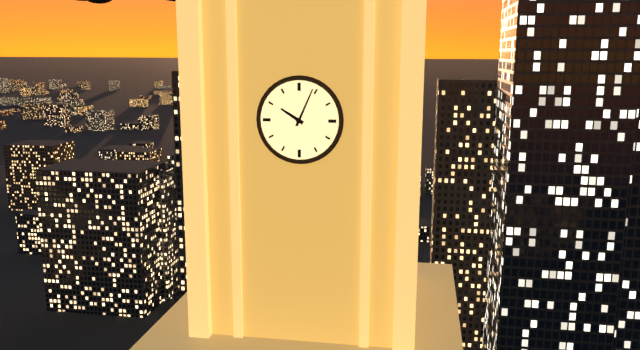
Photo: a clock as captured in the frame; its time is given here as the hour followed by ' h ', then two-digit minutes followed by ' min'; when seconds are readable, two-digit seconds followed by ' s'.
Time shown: 10 h 04 min
